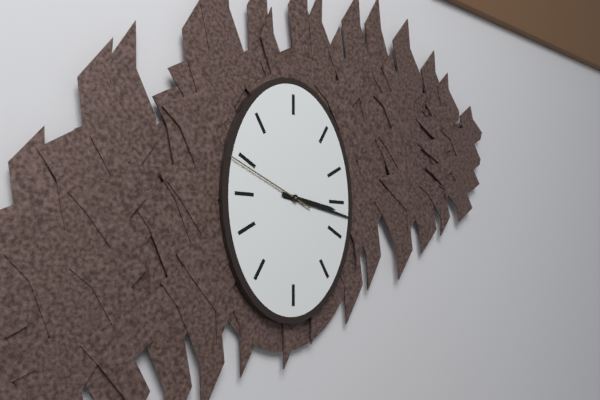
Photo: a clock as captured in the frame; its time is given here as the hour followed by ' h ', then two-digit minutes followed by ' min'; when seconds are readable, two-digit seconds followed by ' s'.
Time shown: 3 h 17 min 49 s
